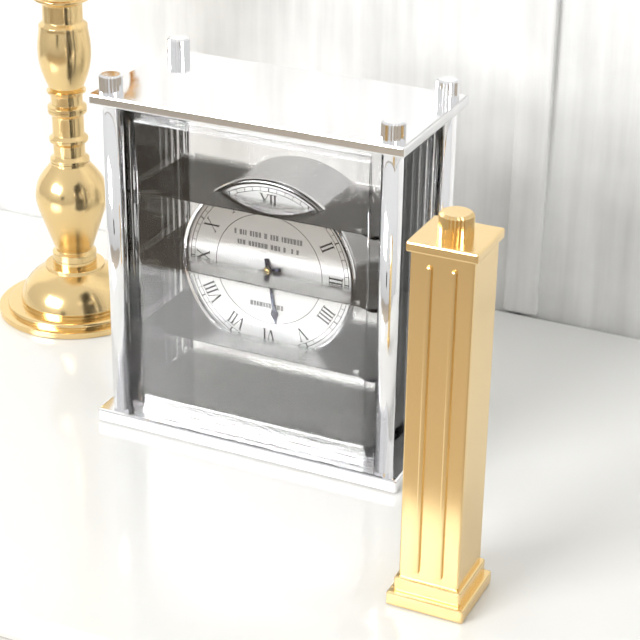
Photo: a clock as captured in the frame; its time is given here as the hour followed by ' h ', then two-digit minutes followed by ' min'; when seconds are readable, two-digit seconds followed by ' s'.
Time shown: 5 h 43 min
